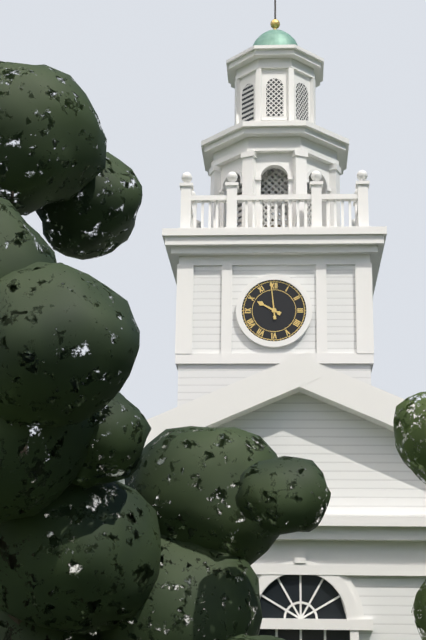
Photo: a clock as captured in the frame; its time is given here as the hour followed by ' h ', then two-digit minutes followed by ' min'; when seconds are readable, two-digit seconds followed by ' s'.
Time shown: 9 h 59 min
